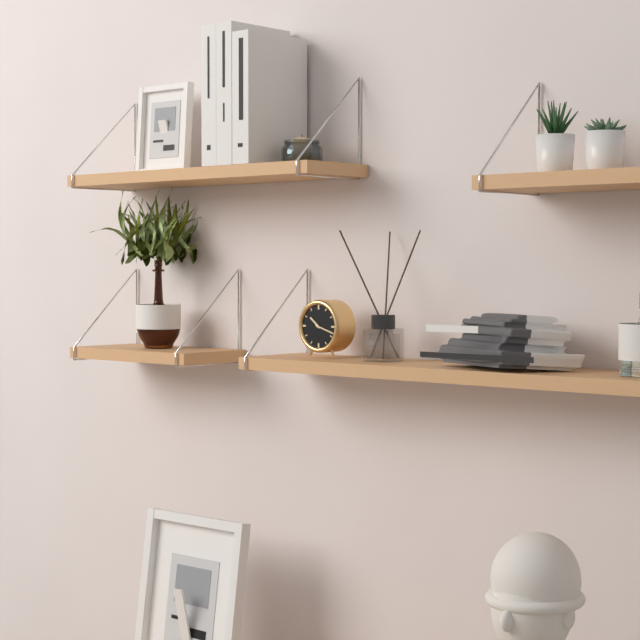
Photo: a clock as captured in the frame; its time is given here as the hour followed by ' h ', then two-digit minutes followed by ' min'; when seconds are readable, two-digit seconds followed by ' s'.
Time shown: 10 h 18 min
